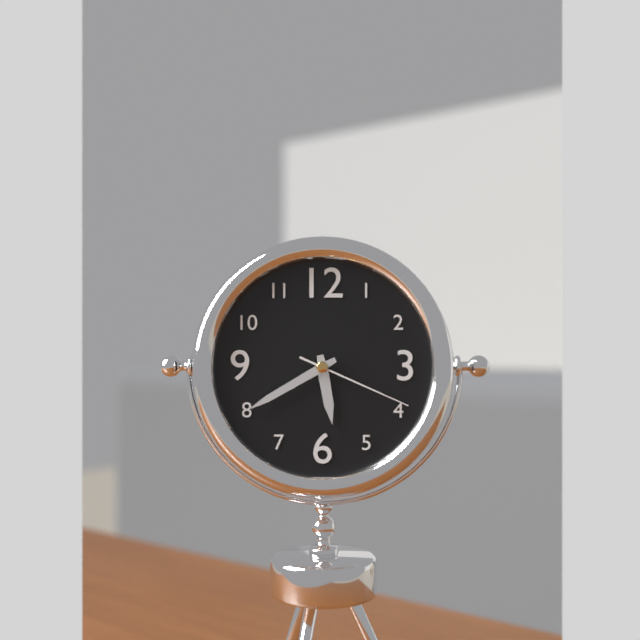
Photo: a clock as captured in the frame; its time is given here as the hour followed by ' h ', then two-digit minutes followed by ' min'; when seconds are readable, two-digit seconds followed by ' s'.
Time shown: 5 h 40 min 19 s
